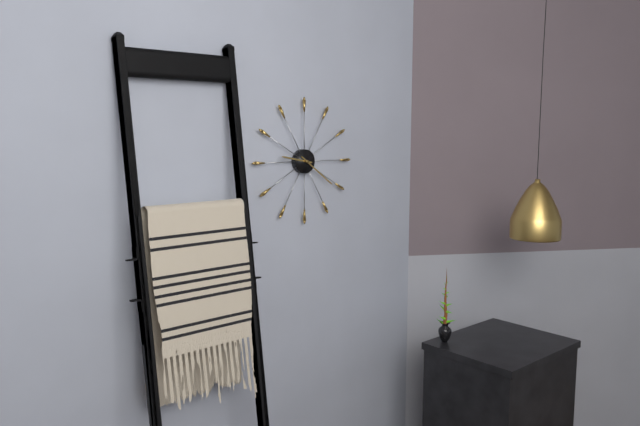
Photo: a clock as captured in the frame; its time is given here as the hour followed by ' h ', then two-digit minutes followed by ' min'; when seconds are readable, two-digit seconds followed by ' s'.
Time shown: 9 h 21 min
